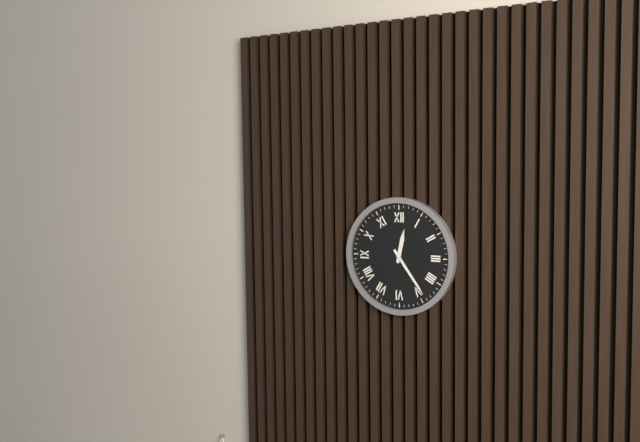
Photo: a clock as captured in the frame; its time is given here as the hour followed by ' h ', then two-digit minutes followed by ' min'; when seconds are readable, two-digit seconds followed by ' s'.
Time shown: 12 h 24 min
